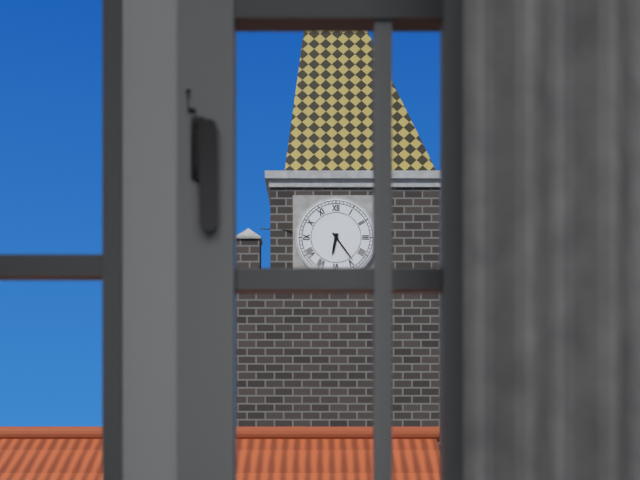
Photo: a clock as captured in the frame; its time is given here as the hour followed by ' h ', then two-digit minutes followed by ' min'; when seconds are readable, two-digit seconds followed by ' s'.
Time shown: 6 h 24 min
